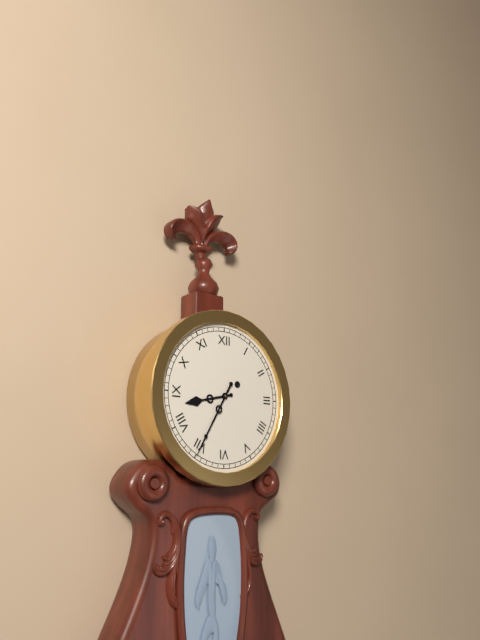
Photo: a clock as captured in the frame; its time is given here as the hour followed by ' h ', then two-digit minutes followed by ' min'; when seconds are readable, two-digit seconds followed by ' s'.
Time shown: 8 h 35 min
